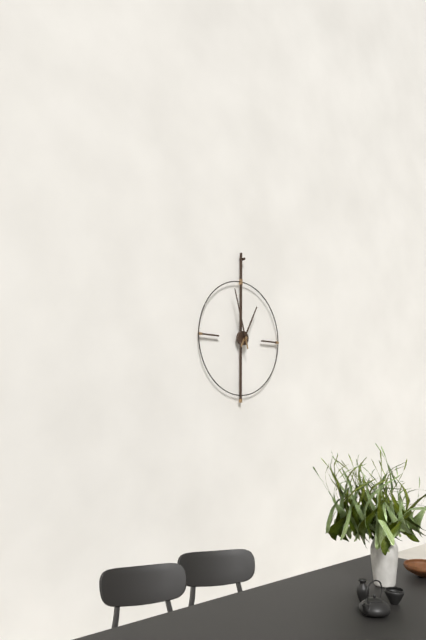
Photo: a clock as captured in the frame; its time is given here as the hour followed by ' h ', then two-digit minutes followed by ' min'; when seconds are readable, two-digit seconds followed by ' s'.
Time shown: 12 h 57 min
